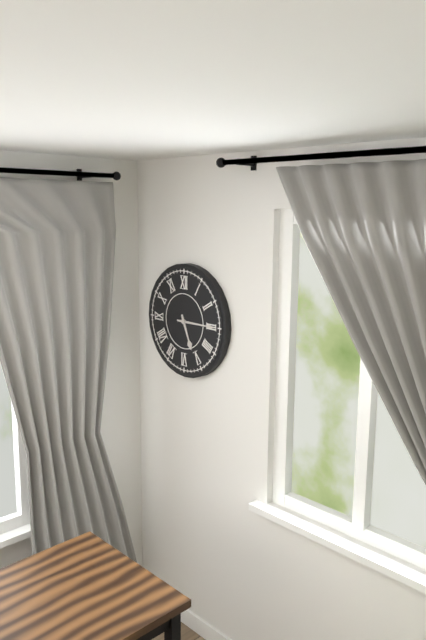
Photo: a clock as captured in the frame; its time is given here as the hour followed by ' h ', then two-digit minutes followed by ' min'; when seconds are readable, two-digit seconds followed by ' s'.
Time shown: 5 h 15 min
